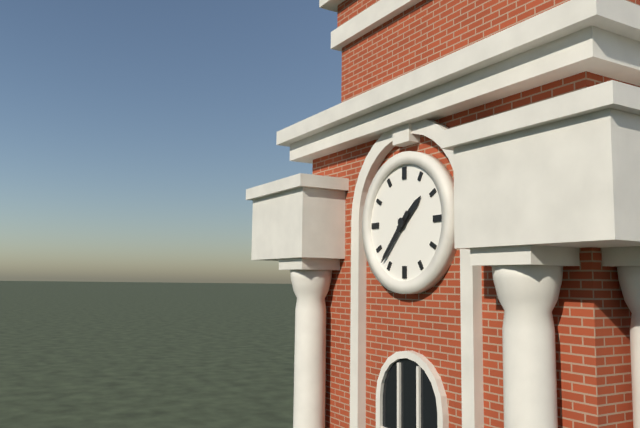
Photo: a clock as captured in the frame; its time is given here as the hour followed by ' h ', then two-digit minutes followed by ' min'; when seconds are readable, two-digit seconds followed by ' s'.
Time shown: 1 h 37 min
